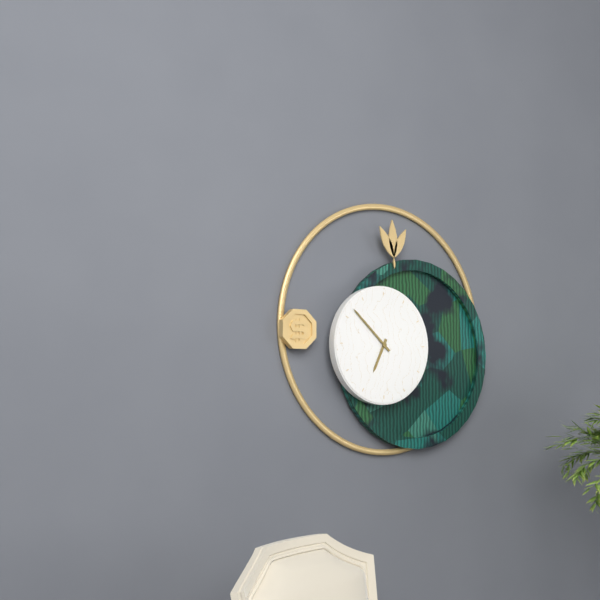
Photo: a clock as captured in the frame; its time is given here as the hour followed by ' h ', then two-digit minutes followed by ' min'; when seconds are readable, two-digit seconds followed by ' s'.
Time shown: 6 h 52 min
